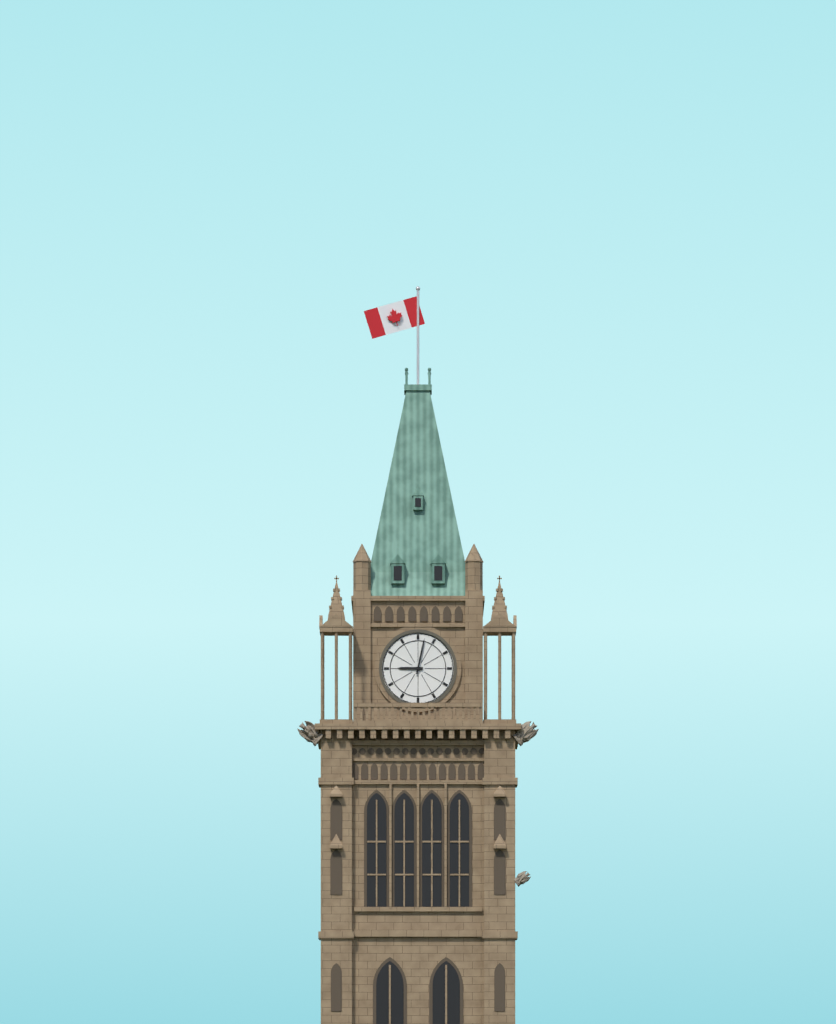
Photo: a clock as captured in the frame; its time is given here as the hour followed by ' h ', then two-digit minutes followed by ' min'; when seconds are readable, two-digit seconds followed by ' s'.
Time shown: 9 h 02 min
